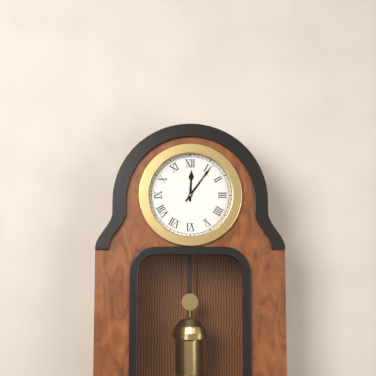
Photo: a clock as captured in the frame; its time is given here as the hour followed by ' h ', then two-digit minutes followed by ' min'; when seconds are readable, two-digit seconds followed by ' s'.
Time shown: 12 h 06 min
